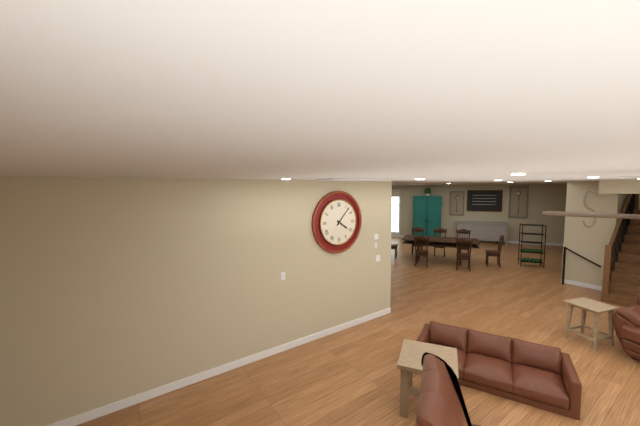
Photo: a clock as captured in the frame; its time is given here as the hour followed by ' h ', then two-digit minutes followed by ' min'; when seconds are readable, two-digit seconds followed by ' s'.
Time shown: 4 h 07 min
